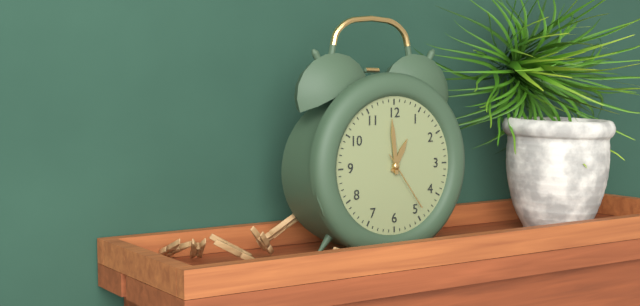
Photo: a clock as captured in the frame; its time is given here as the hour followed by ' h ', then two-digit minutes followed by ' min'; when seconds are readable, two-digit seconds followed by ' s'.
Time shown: 12 h 59 min 24 s
